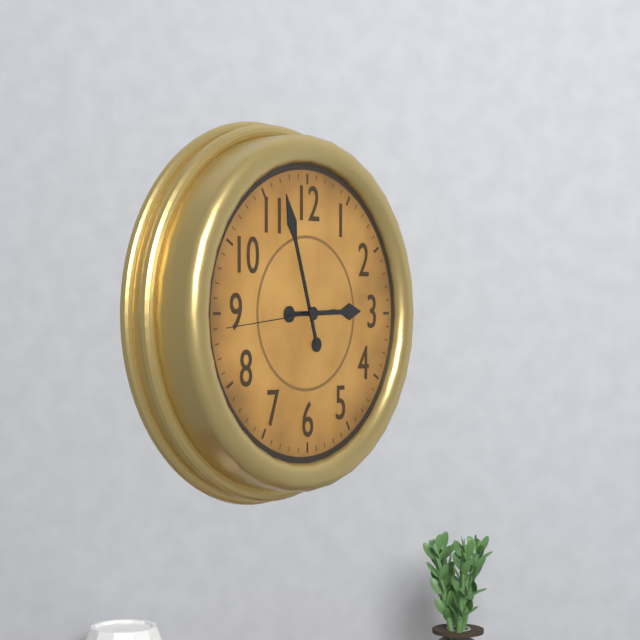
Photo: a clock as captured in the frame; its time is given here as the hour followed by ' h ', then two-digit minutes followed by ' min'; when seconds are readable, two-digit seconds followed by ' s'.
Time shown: 2 h 57 min 44 s
